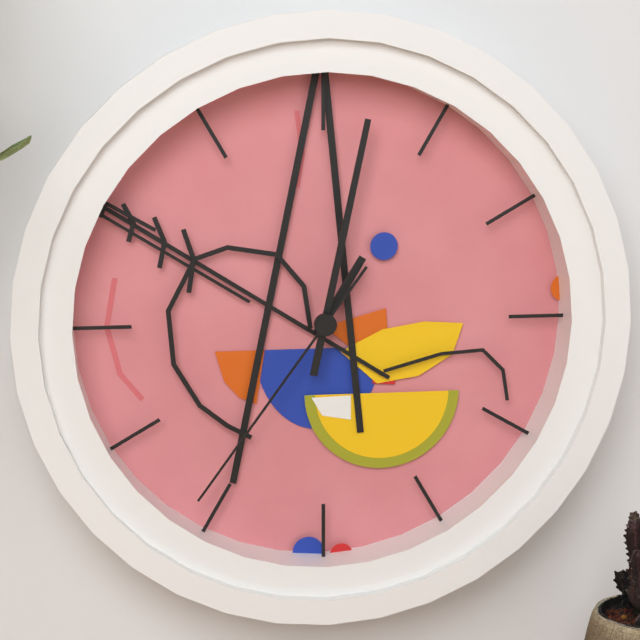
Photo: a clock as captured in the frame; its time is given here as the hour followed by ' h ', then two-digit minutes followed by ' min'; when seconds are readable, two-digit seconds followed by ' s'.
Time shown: 1 h 02 min 36 s
